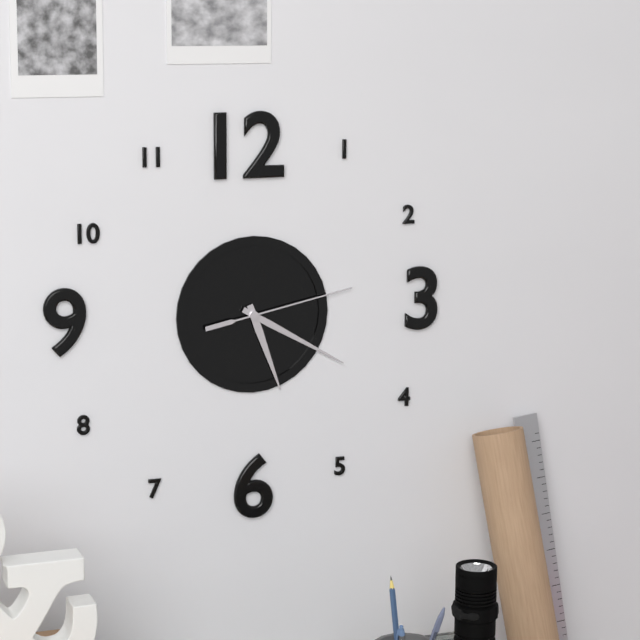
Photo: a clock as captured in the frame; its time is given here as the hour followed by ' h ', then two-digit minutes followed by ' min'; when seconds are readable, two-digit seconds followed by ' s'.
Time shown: 5 h 20 min 13 s
